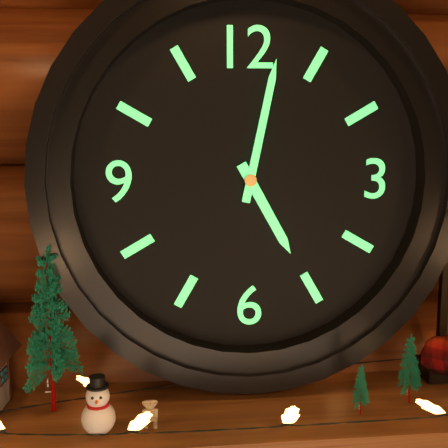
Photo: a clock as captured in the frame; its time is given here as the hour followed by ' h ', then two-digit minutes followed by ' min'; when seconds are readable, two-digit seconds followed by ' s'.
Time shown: 5 h 02 min
